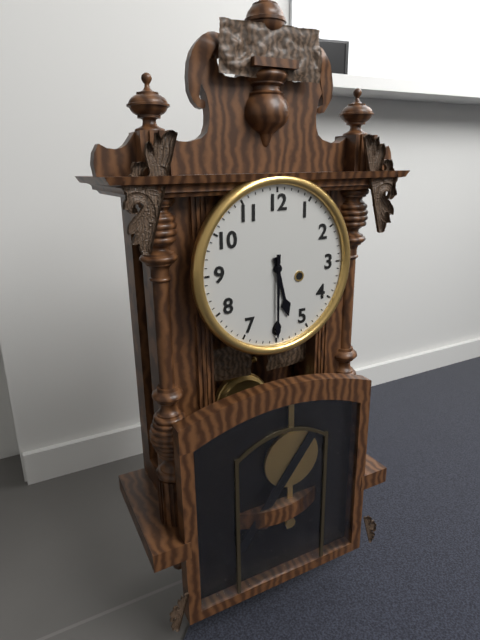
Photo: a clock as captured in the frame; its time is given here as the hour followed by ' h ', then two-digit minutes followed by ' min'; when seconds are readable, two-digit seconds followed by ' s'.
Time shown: 5 h 30 min
